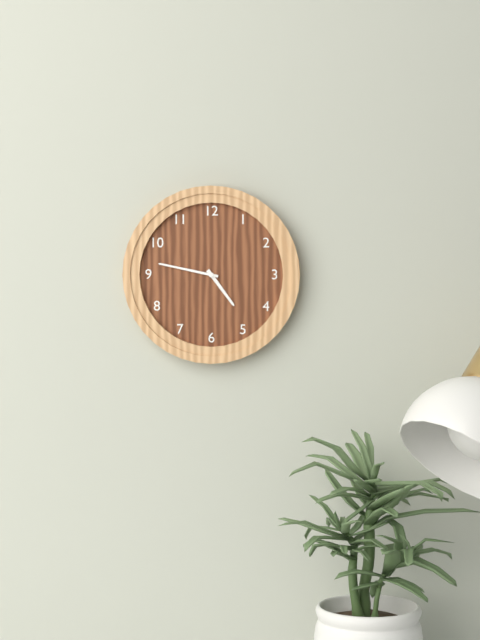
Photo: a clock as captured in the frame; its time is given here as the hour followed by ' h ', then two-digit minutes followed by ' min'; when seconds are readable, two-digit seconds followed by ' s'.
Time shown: 4 h 47 min
